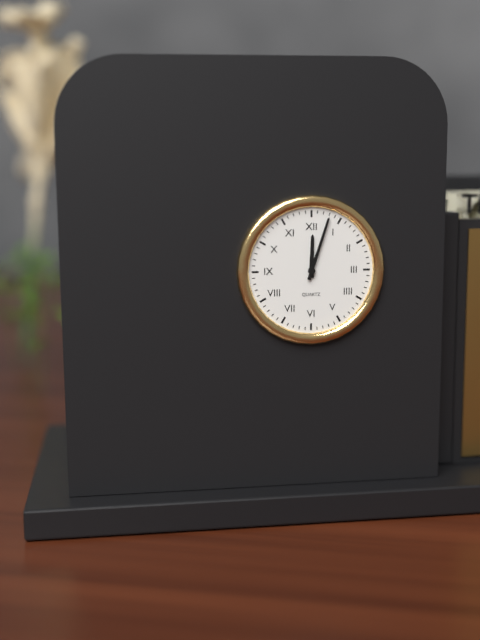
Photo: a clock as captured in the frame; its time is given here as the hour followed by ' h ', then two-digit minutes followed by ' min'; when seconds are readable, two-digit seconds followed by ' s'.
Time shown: 12 h 03 min
